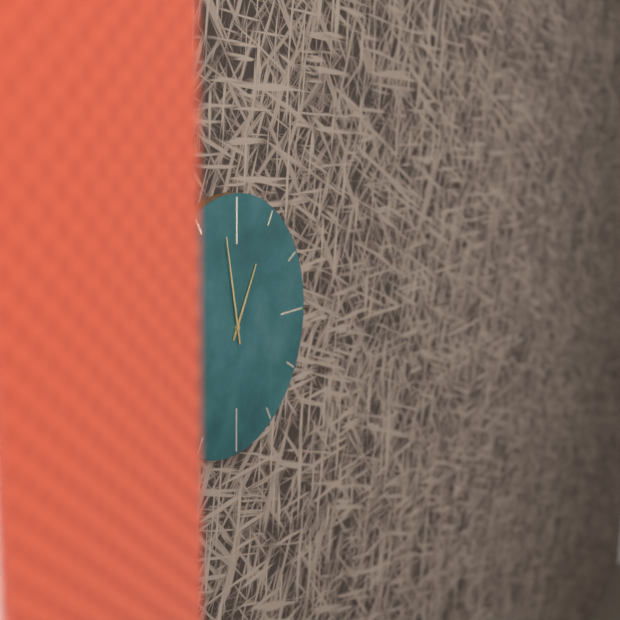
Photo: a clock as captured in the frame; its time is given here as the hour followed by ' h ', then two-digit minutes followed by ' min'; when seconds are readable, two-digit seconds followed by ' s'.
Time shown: 12 h 58 min
